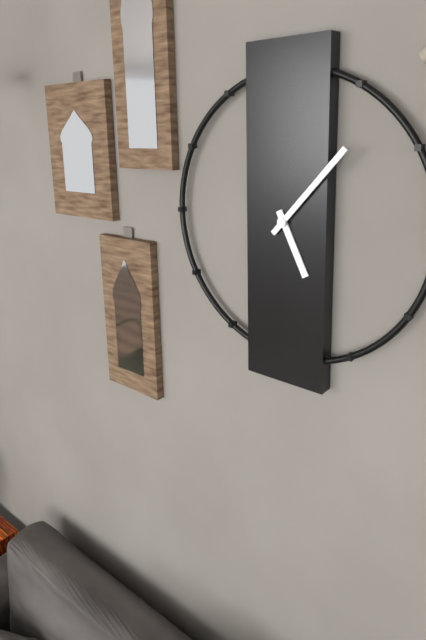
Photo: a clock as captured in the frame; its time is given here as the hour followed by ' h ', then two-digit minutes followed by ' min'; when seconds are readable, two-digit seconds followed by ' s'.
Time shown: 5 h 07 min
